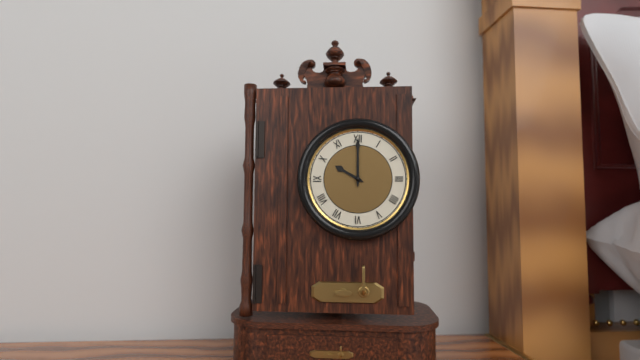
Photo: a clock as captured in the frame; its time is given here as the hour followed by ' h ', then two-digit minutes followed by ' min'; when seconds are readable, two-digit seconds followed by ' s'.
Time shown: 10 h 00 min
